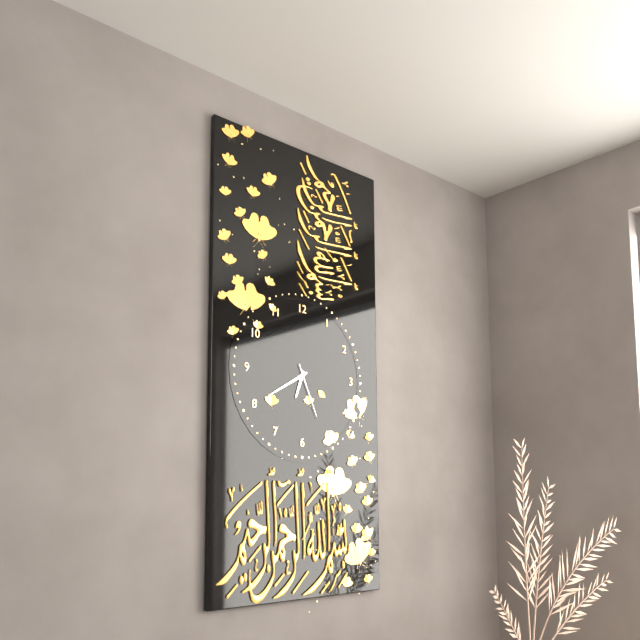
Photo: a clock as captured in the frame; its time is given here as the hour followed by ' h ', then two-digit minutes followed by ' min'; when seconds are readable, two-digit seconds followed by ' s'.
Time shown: 6 h 40 min 26 s
